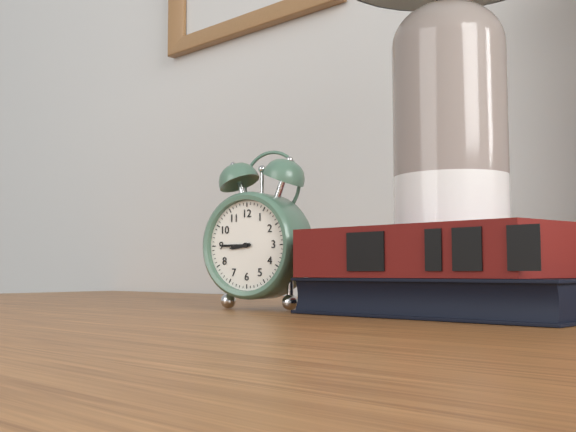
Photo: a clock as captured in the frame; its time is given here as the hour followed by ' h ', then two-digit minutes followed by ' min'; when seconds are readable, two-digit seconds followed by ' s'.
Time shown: 8 h 45 min
